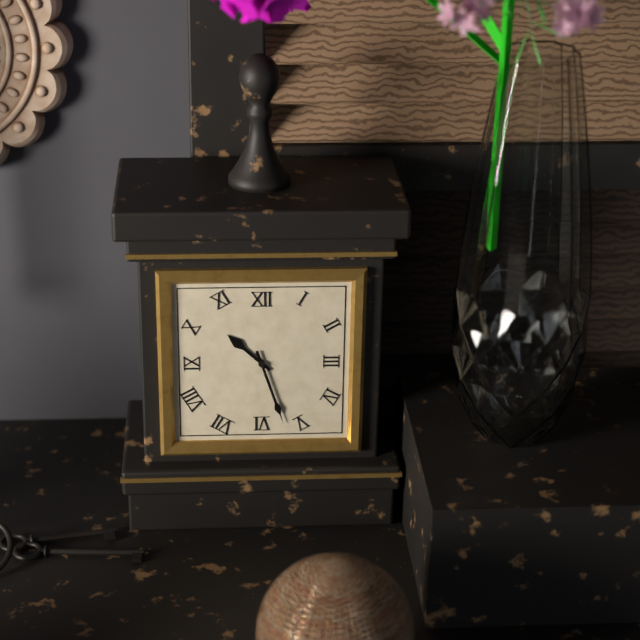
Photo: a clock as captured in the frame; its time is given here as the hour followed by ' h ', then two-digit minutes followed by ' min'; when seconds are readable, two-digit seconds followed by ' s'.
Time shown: 10 h 27 min
